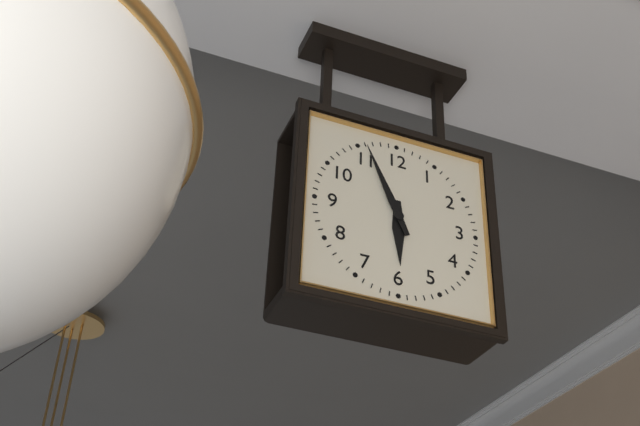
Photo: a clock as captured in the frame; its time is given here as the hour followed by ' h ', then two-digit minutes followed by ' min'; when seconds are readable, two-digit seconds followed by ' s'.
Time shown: 5 h 56 min
